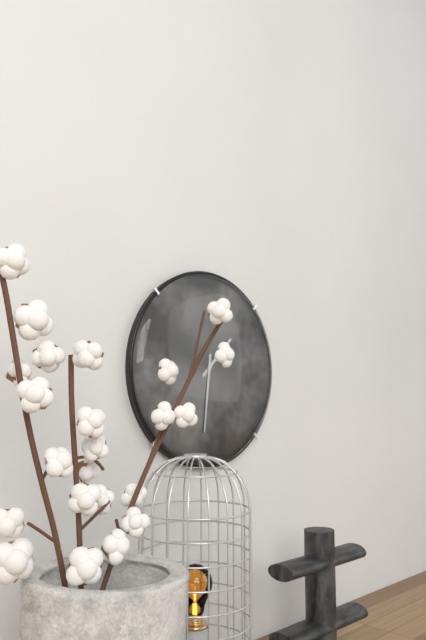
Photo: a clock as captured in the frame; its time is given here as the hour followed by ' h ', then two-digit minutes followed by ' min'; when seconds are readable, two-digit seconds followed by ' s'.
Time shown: 1 h 31 min
